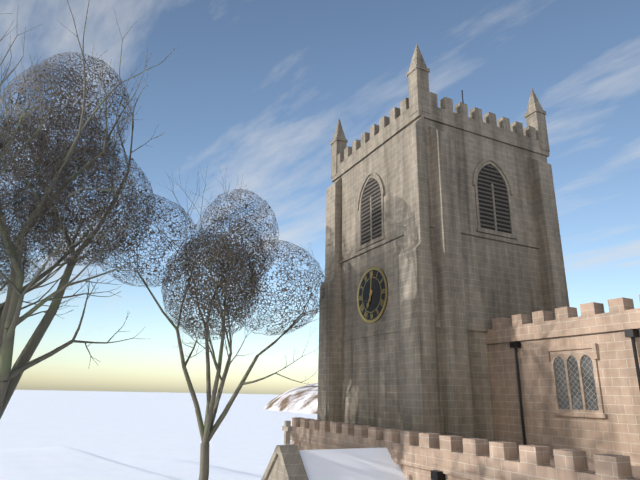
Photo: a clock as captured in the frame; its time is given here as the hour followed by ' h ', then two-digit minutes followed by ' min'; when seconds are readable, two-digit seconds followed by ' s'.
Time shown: 7 h 01 min
